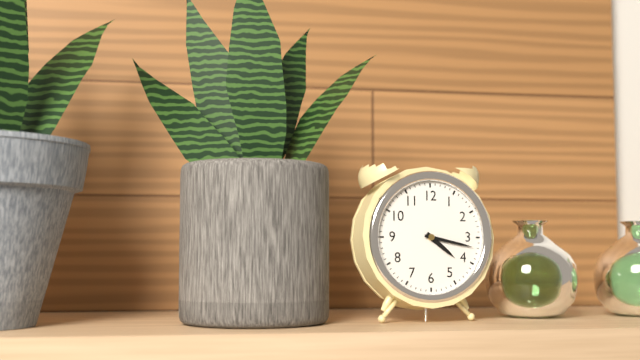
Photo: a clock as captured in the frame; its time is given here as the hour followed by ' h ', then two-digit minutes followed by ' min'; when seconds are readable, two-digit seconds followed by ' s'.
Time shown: 4 h 17 min
